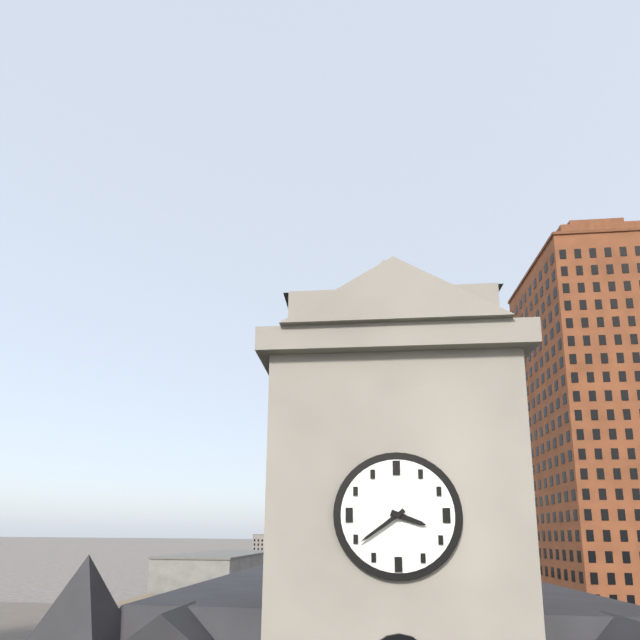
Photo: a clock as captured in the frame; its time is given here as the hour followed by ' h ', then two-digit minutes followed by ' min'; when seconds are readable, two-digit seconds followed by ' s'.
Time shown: 3 h 39 min
